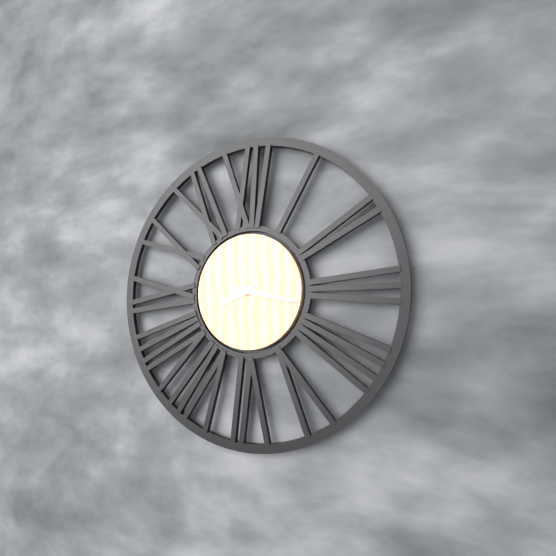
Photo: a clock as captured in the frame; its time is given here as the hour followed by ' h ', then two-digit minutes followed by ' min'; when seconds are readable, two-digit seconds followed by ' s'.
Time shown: 8 h 17 min
